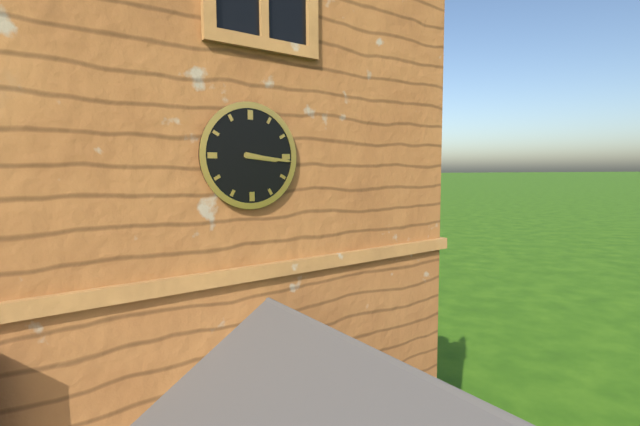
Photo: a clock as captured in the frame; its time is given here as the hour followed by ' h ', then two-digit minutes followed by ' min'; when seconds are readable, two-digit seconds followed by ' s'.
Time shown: 3 h 16 min
